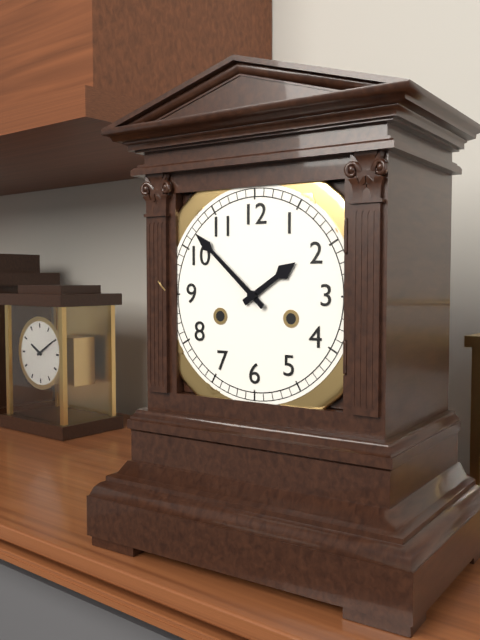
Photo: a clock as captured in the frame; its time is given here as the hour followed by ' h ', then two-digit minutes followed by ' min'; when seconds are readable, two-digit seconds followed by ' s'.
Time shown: 1 h 52 min
